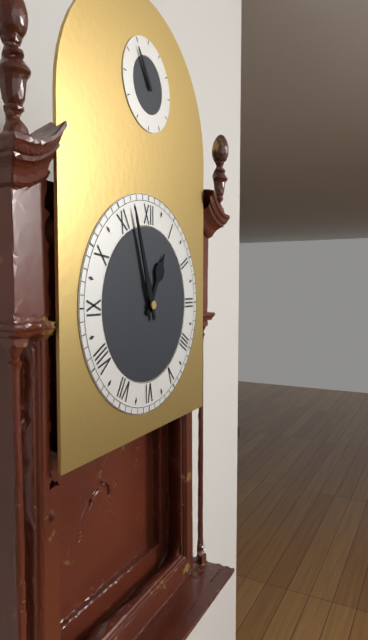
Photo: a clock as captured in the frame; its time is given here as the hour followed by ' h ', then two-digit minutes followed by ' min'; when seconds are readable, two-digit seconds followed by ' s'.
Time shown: 12 h 57 min
